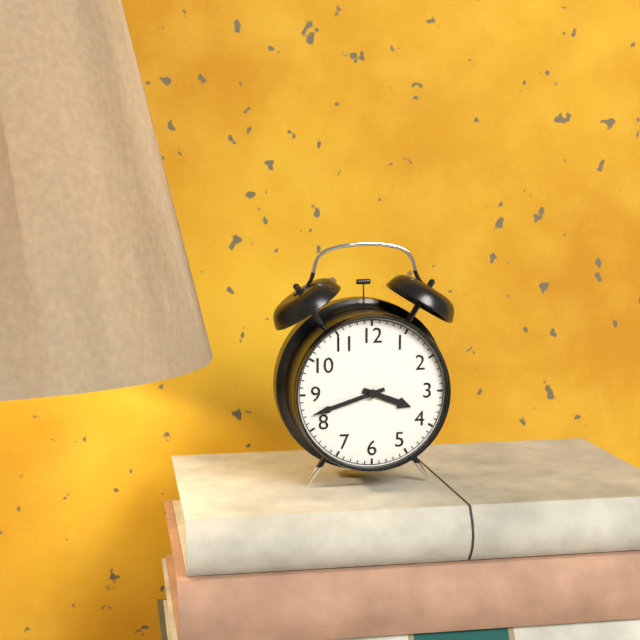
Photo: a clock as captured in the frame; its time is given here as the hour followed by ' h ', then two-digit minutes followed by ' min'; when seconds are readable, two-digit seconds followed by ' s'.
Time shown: 3 h 42 min
